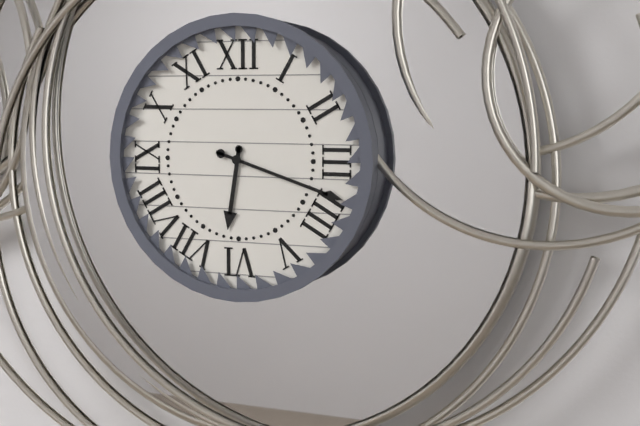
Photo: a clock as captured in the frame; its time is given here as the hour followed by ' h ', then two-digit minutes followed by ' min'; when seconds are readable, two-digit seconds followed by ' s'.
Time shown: 6 h 18 min
